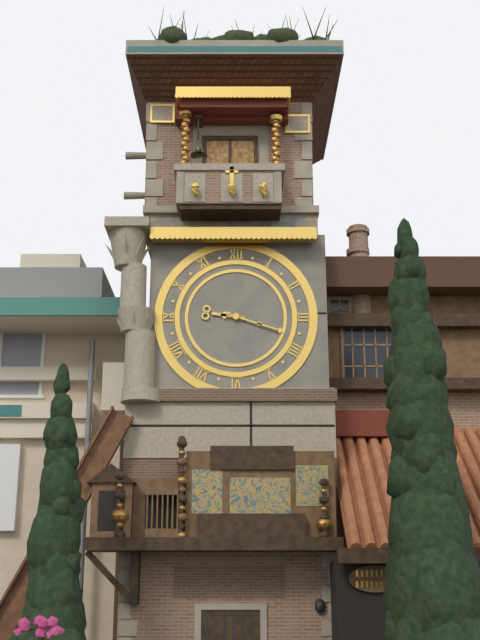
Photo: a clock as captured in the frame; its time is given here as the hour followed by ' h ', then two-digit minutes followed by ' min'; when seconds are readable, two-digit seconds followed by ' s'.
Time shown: 9 h 18 min
